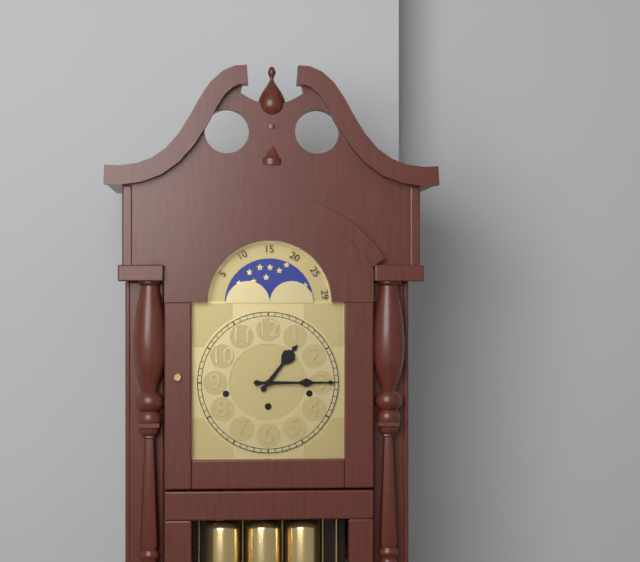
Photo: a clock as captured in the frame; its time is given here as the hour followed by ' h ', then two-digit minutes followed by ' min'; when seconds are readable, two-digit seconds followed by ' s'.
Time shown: 1 h 15 min
